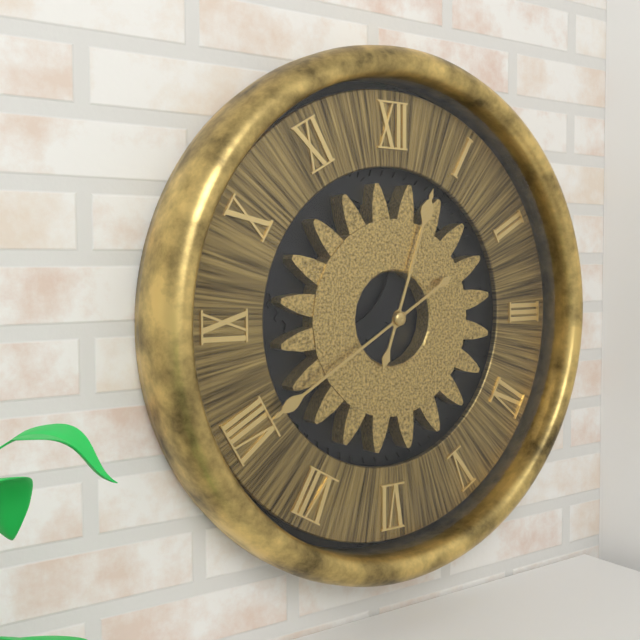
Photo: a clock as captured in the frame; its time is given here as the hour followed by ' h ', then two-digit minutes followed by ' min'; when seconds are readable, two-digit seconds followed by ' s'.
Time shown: 12 h 40 min
